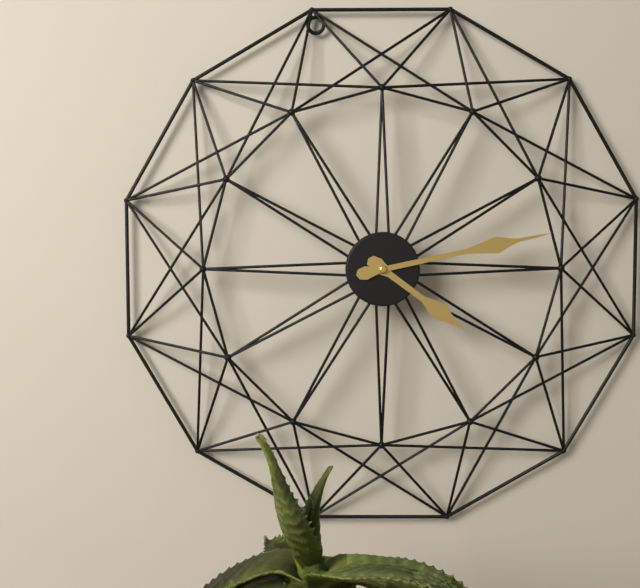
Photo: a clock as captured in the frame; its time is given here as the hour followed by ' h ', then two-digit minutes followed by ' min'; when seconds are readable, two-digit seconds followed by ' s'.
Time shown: 4 h 13 min
